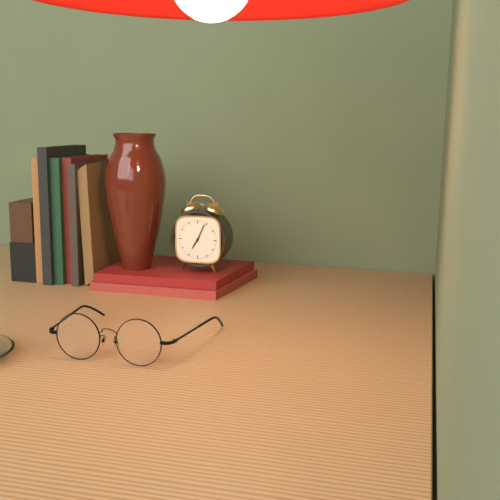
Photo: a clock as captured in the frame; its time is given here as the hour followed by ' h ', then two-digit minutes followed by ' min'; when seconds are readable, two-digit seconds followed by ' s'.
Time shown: 7 h 04 min
